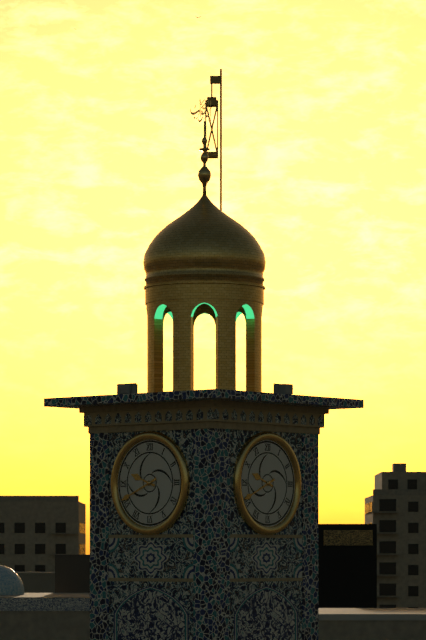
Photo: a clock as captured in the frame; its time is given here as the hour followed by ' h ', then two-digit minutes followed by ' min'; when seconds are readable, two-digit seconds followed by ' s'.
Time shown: 9 h 41 min
